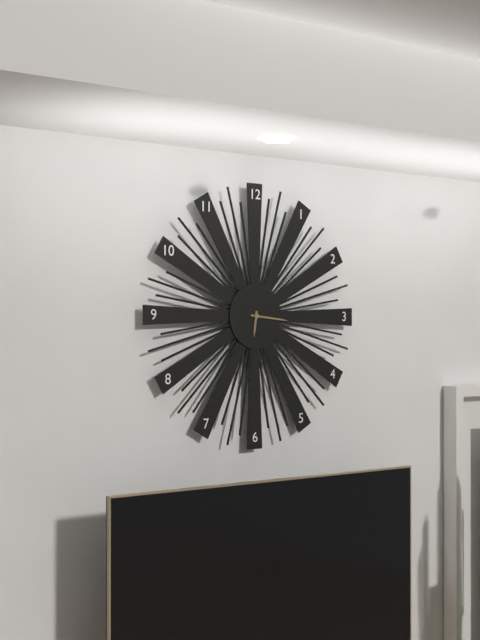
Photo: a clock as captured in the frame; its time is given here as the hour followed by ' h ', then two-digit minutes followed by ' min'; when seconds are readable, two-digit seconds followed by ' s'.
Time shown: 6 h 16 min
